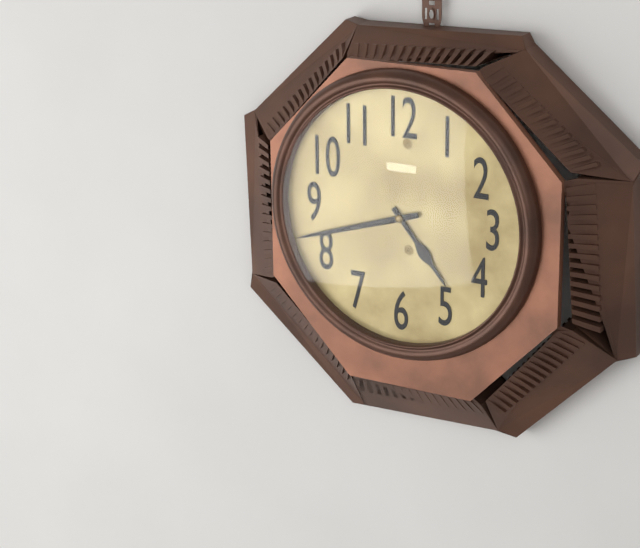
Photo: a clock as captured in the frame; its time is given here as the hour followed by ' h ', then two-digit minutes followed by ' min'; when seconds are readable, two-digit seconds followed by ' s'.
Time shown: 4 h 42 min
